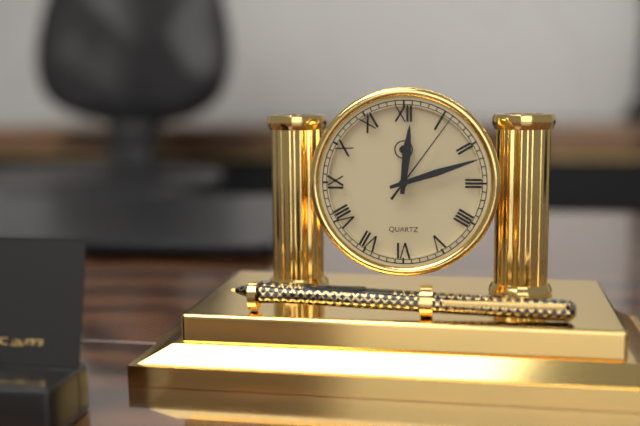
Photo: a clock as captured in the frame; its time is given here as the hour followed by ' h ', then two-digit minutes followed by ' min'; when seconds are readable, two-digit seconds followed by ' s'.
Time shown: 12 h 12 min 06 s
